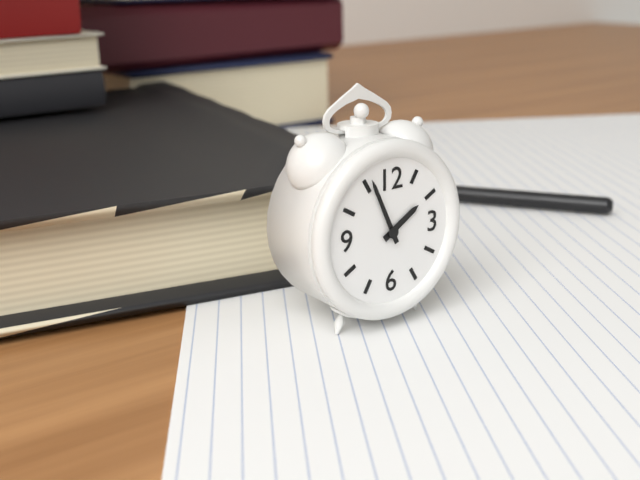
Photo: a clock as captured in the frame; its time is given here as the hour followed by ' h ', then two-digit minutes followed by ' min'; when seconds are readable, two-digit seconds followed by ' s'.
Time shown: 1 h 56 min
